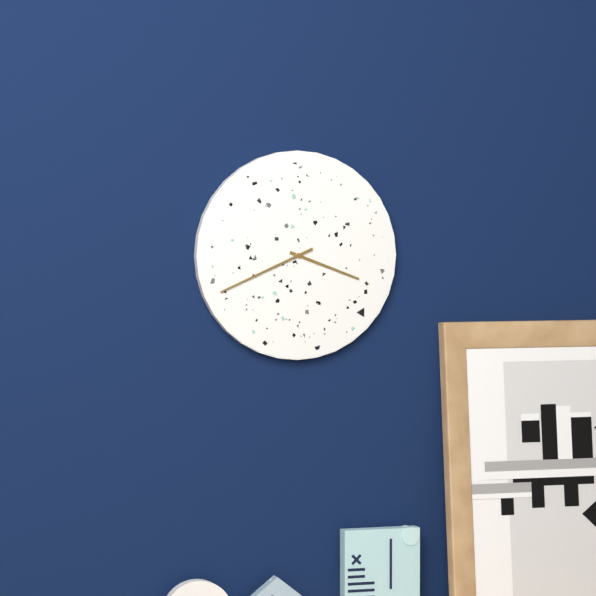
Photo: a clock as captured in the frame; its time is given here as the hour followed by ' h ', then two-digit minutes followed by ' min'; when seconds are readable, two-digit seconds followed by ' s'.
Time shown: 3 h 41 min
